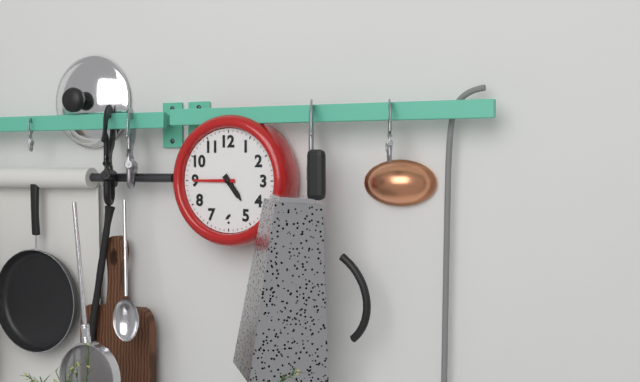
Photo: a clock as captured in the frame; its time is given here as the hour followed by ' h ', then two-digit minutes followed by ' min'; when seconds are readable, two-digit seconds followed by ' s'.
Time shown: 4 h 45 min
